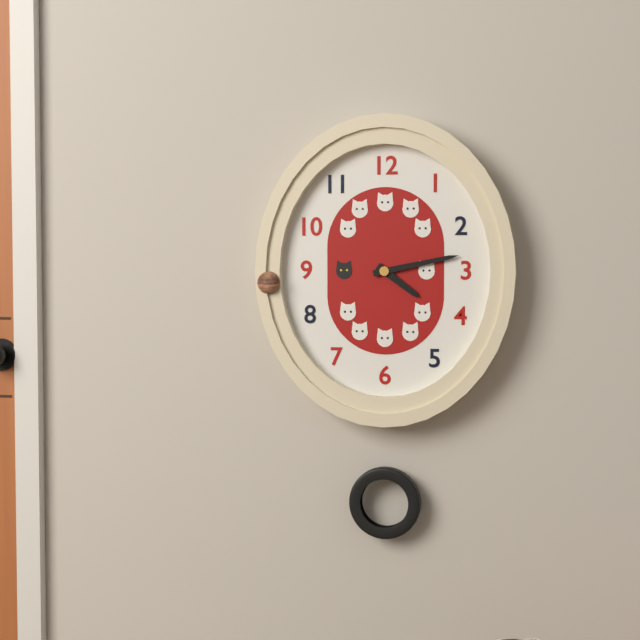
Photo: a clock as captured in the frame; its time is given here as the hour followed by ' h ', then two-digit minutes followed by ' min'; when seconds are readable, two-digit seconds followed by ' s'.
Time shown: 4 h 13 min
